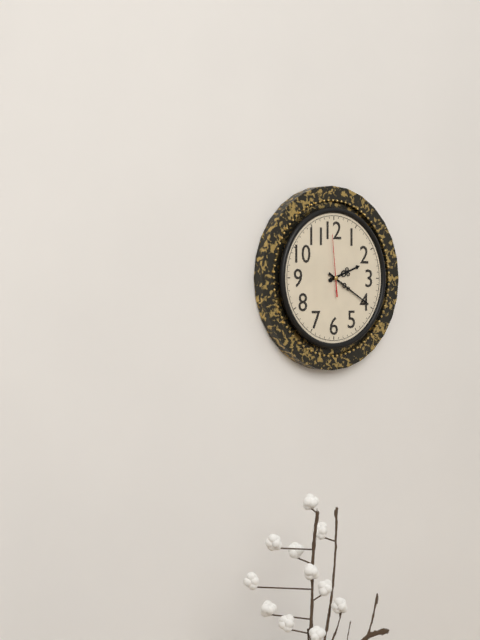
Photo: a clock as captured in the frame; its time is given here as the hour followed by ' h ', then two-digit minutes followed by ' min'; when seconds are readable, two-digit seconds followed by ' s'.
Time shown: 2 h 20 min 59 s
